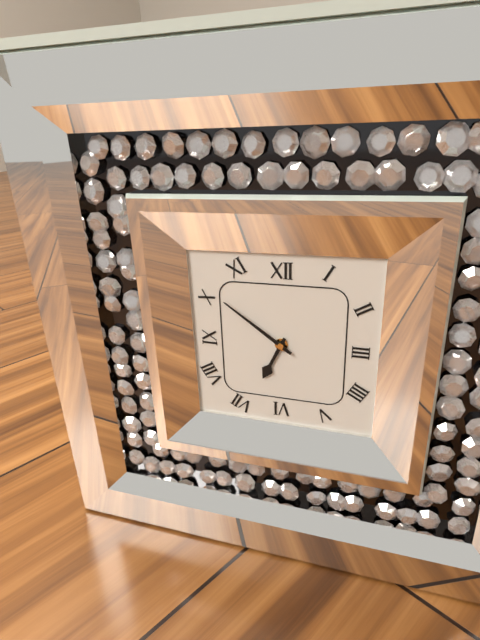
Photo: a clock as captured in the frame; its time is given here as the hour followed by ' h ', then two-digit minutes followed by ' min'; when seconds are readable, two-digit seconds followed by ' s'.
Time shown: 6 h 51 min
